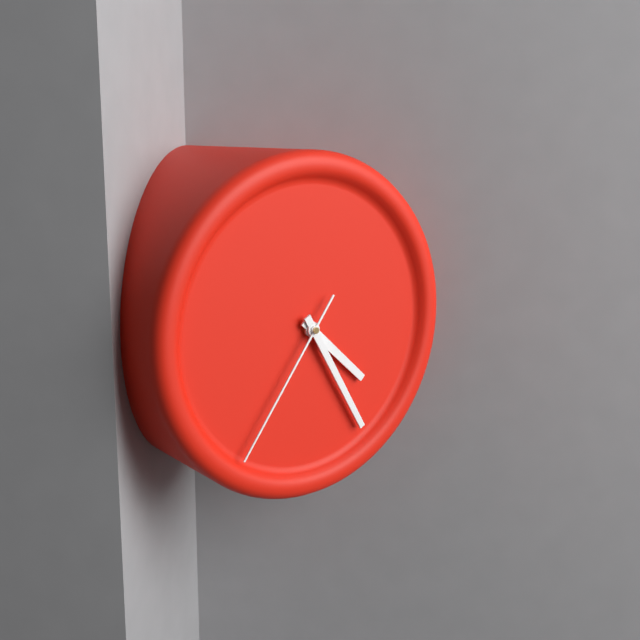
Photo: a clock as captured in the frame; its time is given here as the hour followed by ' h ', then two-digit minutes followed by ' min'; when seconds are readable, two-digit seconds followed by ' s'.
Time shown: 4 h 25 min 36 s
